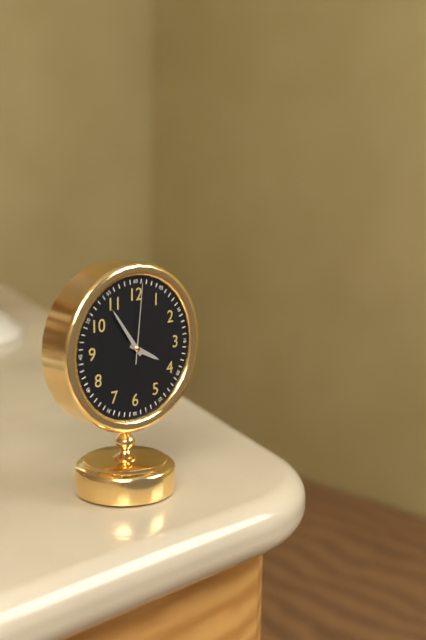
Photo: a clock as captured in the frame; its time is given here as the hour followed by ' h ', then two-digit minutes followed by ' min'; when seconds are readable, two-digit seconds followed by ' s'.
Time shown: 3 h 54 min 01 s
